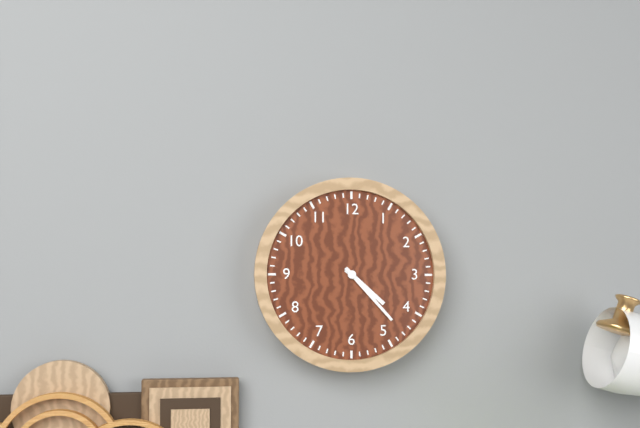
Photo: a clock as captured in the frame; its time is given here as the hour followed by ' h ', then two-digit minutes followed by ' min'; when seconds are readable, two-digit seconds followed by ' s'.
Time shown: 4 h 23 min
